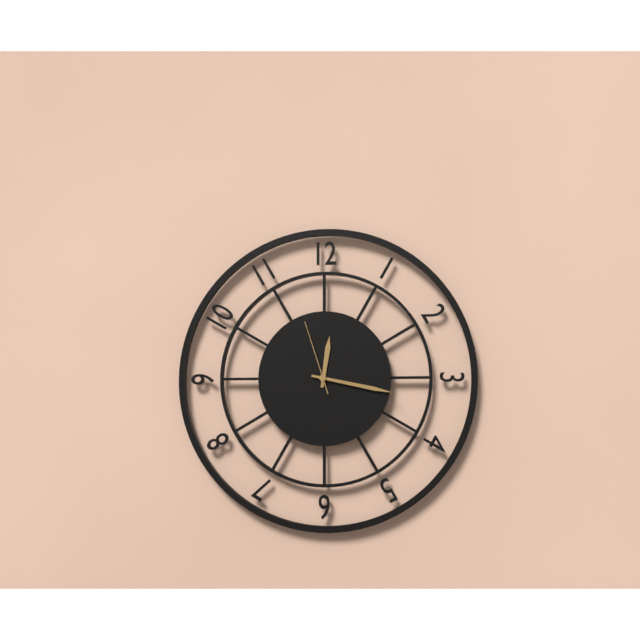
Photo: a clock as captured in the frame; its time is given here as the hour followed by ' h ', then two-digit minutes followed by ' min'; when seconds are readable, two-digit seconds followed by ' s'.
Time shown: 12 h 17 min 57 s
